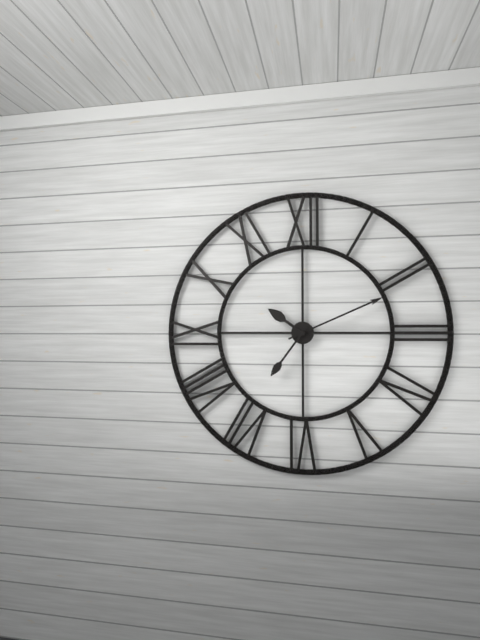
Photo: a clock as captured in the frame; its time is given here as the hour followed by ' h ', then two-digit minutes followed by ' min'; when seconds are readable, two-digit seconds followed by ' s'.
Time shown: 10 h 11 min 36 s
